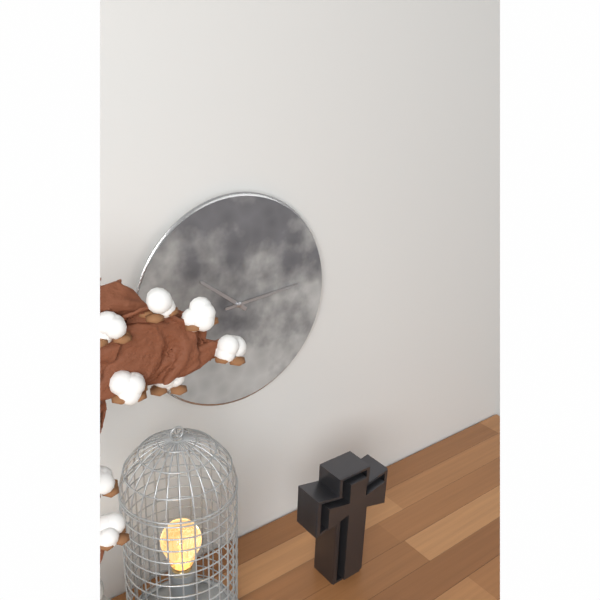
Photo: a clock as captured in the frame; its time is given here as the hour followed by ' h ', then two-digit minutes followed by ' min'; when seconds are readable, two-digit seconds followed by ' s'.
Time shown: 10 h 14 min
